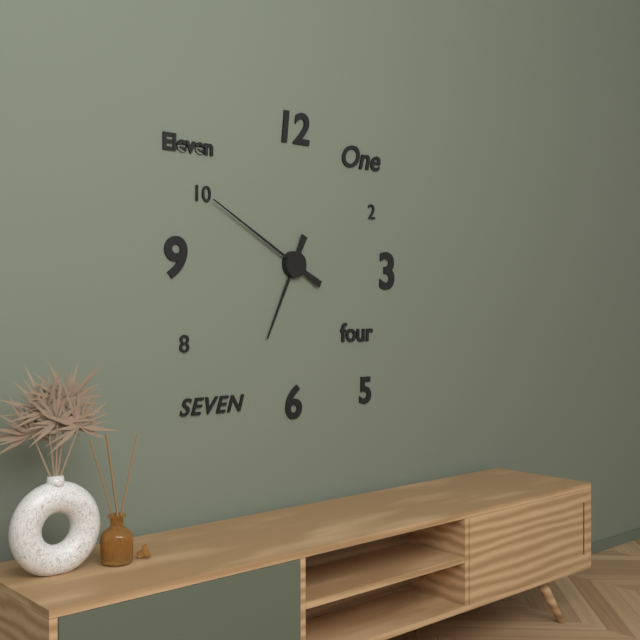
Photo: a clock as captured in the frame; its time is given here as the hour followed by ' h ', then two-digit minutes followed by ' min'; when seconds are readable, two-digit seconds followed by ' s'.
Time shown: 6 h 50 min
